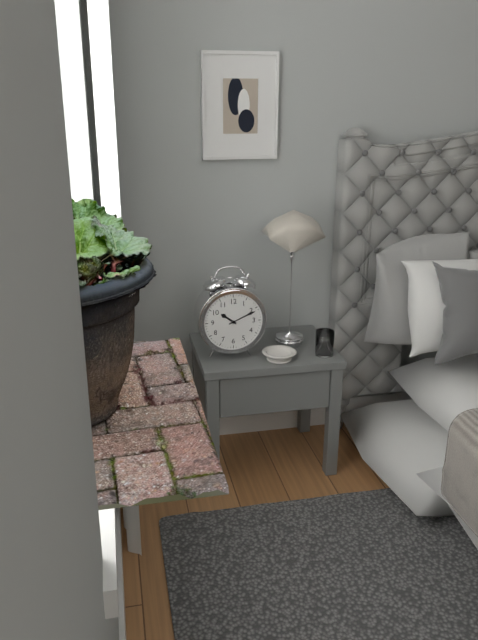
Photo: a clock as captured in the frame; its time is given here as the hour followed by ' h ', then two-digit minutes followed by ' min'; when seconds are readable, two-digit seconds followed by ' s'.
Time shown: 10 h 11 min
